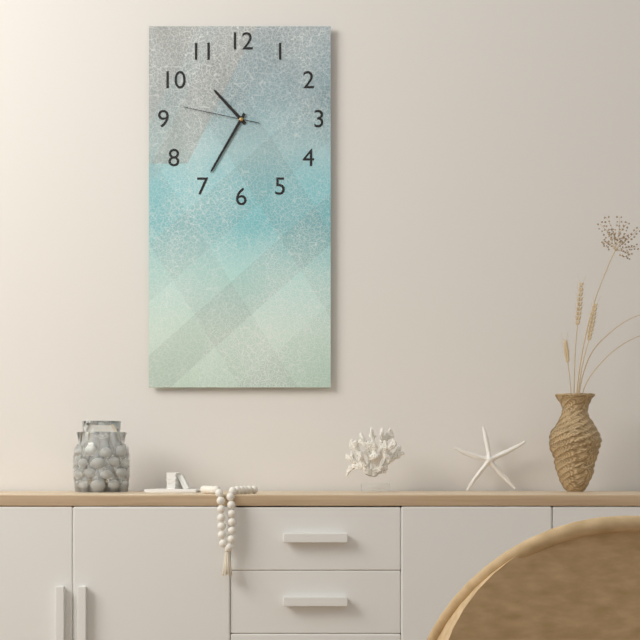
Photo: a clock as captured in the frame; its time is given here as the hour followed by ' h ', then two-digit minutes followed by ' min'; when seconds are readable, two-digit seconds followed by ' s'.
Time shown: 10 h 35 min 47 s
